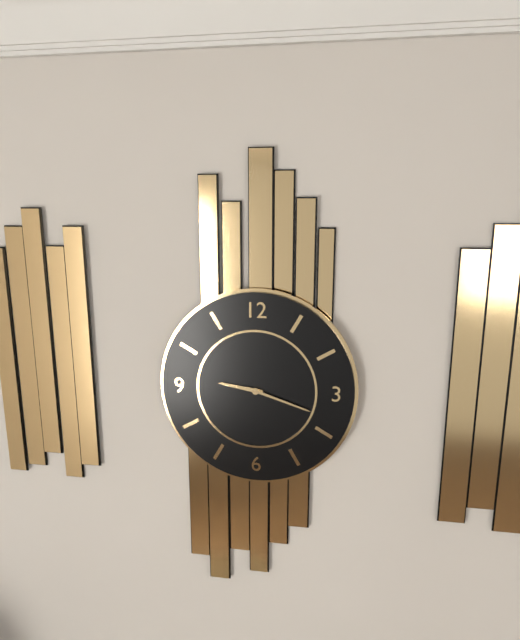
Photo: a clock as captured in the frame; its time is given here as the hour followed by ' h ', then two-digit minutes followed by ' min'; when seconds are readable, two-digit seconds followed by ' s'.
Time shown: 9 h 18 min
